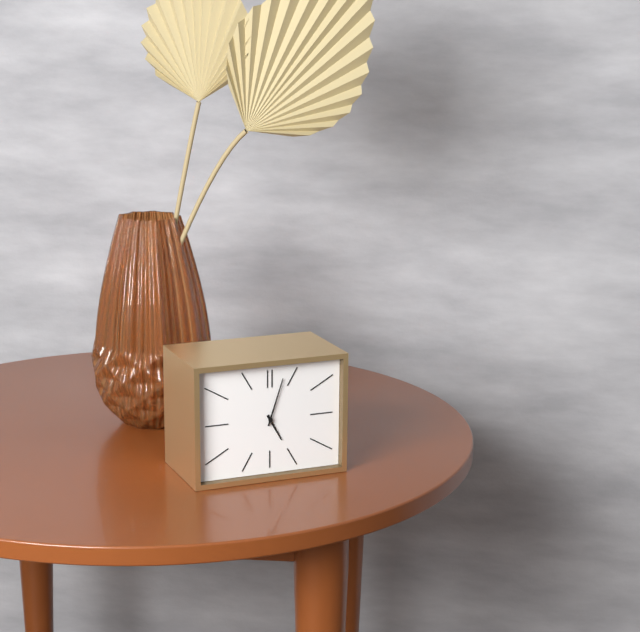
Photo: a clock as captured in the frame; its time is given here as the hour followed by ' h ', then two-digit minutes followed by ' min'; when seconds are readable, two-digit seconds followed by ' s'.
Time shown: 5 h 03 min
